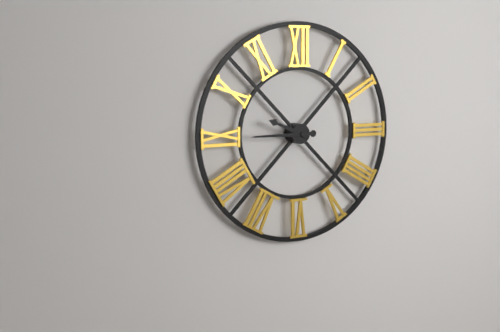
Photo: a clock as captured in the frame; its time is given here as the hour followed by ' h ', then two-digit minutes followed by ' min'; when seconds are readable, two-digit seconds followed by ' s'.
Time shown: 9 h 45 min
